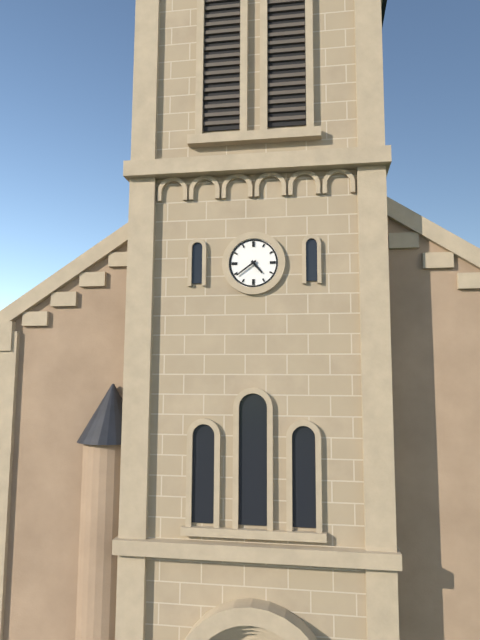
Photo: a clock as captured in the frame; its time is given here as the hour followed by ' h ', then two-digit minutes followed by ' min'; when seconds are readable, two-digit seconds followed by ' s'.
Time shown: 4 h 39 min
